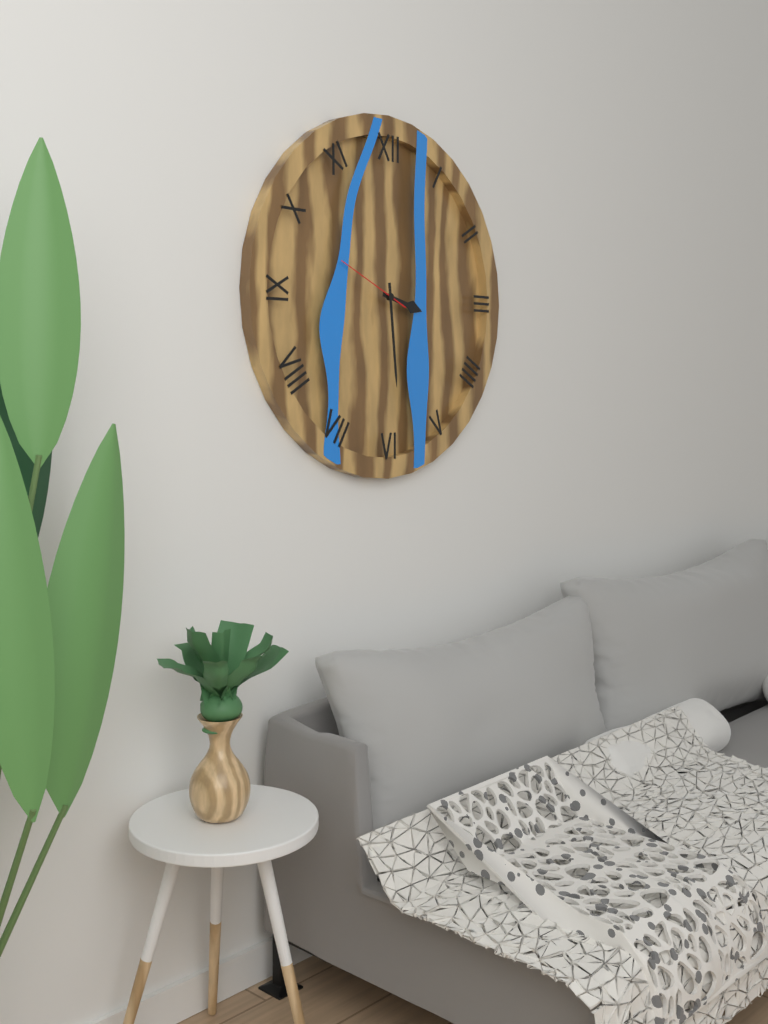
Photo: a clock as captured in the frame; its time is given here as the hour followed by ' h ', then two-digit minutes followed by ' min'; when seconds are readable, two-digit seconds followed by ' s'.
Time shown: 3 h 29 min 49 s
